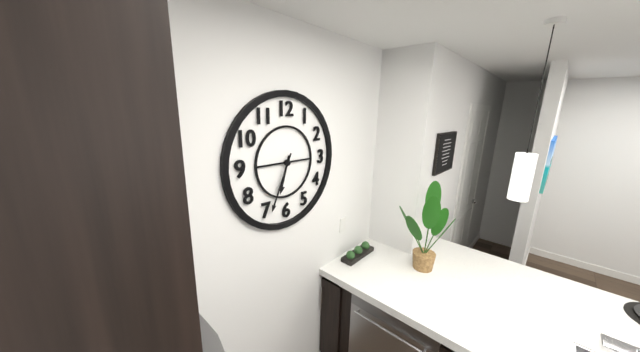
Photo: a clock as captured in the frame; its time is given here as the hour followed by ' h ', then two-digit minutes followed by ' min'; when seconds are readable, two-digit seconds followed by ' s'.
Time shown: 6 h 34 min
